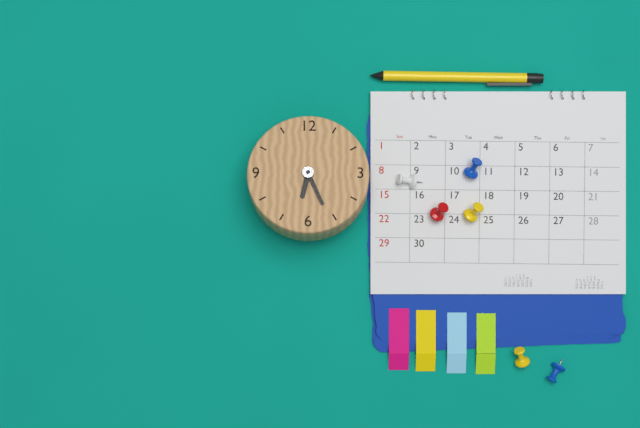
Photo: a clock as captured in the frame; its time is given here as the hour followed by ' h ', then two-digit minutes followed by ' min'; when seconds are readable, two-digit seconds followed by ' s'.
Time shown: 6 h 26 min
